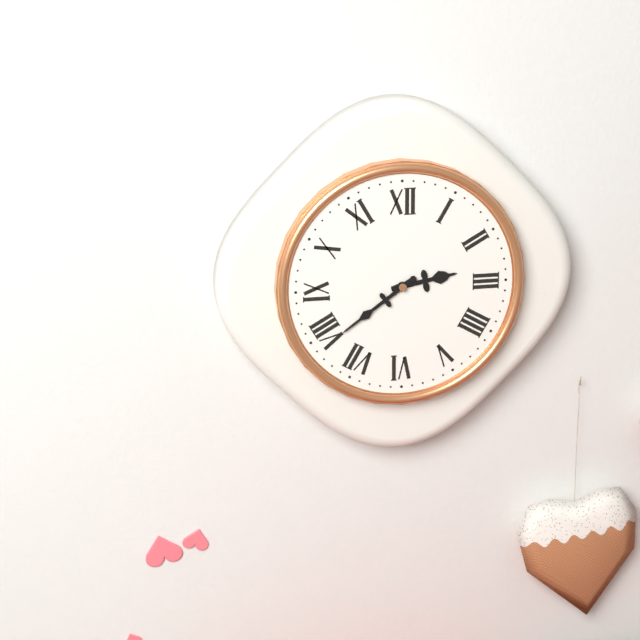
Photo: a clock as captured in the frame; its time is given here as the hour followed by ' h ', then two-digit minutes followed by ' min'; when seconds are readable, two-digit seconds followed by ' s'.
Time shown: 2 h 39 min
